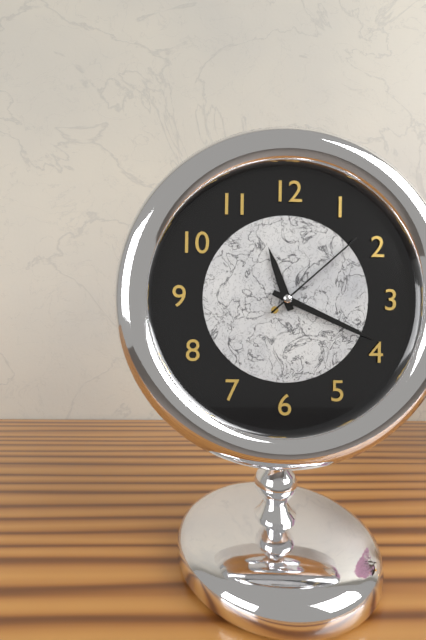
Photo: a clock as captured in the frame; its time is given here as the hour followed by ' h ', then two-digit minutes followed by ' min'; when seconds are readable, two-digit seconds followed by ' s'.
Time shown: 11 h 19 min 08 s
